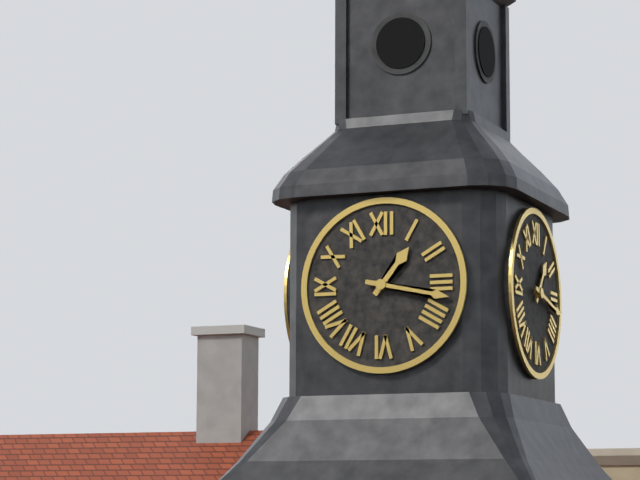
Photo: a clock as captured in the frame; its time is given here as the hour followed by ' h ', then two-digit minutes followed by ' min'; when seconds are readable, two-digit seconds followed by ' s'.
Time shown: 1 h 17 min
